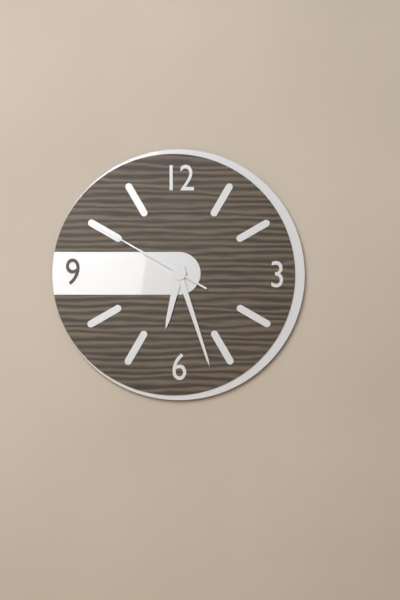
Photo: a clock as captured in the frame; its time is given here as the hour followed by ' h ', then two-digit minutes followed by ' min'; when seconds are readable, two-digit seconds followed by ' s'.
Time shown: 6 h 27 min 50 s
